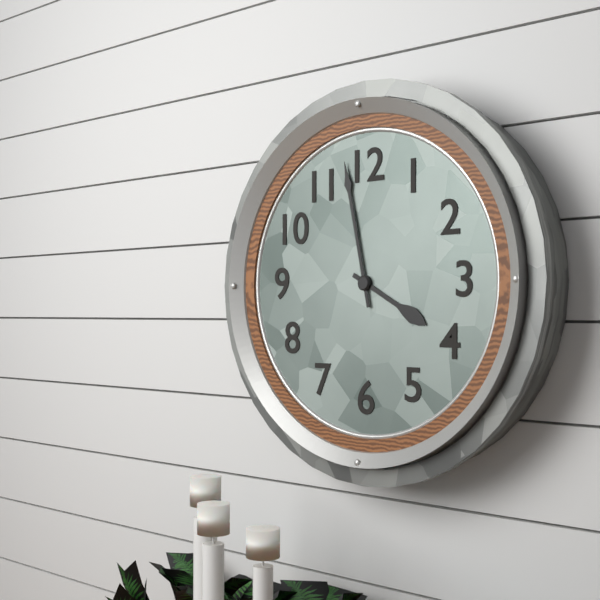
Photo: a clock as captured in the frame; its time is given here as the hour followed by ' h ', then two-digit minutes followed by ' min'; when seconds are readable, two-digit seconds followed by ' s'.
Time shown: 3 h 58 min
